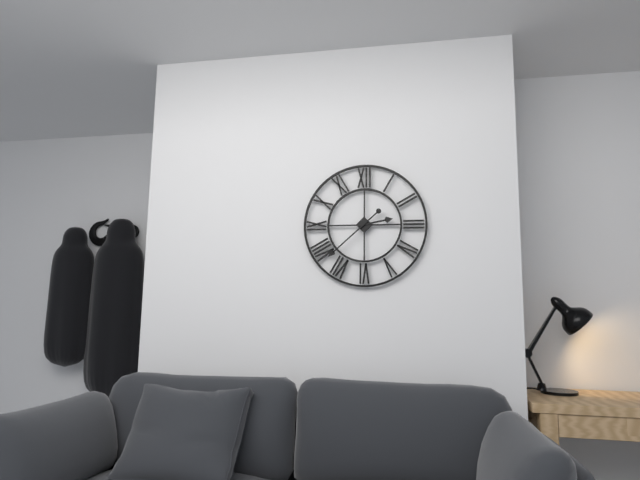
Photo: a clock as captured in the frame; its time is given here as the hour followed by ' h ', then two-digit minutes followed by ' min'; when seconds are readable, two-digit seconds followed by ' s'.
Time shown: 2 h 38 min
